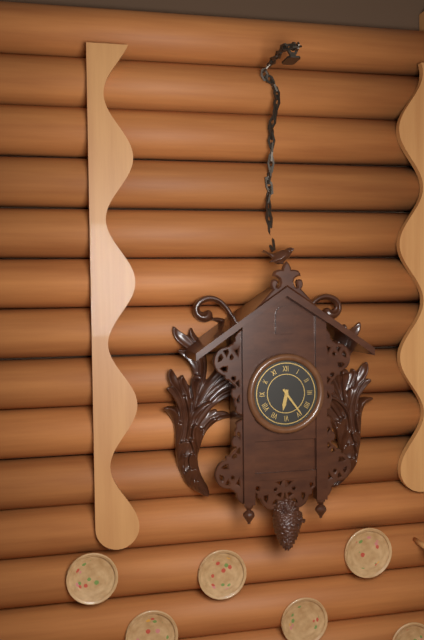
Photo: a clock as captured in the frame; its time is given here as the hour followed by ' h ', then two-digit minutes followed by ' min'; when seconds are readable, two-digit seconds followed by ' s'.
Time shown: 6 h 24 min
